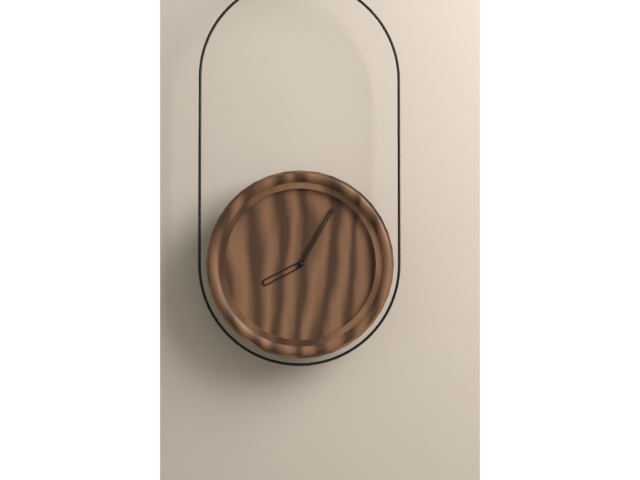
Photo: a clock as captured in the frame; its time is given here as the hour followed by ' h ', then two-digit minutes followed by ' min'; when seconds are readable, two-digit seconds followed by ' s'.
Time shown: 8 h 05 min
